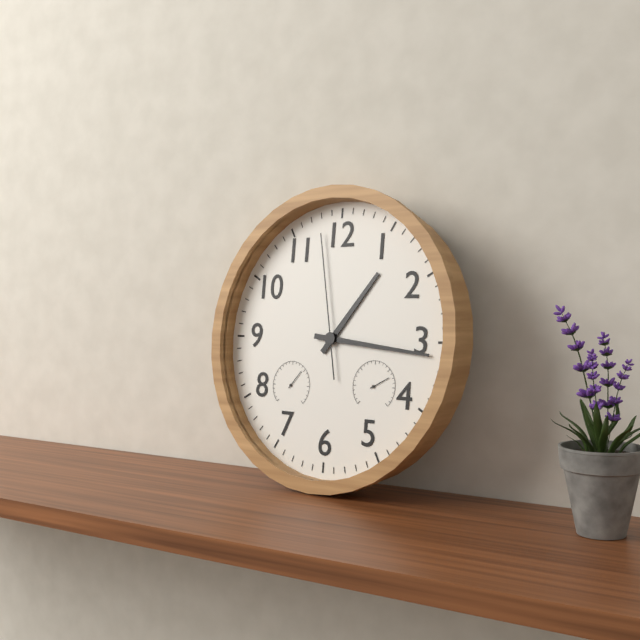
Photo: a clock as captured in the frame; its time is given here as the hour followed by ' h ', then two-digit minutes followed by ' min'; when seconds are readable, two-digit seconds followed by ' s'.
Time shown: 1 h 16 min 58 s
